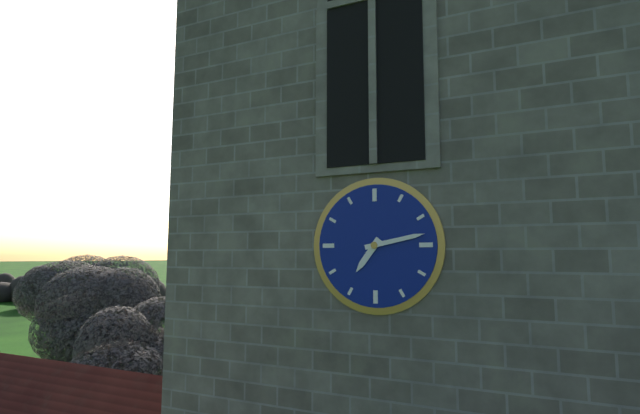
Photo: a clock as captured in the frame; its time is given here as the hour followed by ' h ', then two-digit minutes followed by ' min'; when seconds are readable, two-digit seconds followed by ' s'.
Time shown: 7 h 13 min
